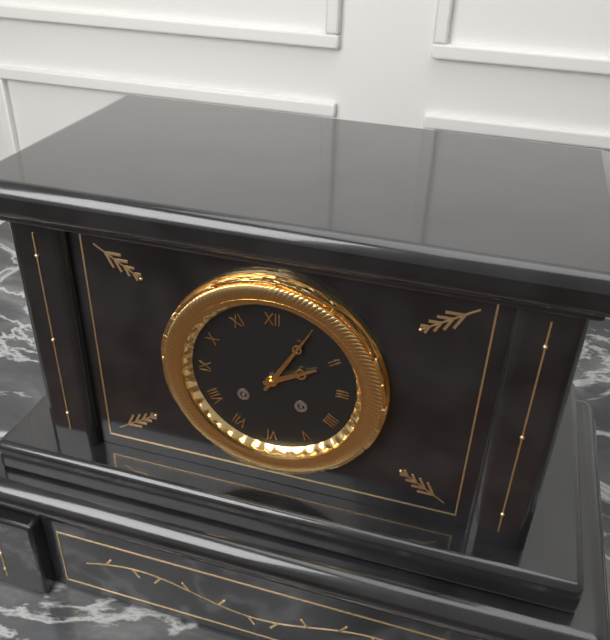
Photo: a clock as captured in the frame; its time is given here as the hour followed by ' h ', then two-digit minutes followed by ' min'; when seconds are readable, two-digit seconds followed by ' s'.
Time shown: 2 h 05 min
